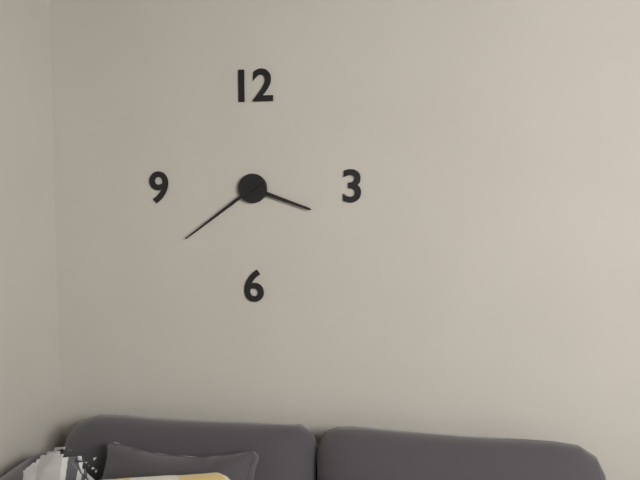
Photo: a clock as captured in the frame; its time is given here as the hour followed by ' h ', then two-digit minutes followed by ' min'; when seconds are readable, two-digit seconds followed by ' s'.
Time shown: 3 h 39 min
